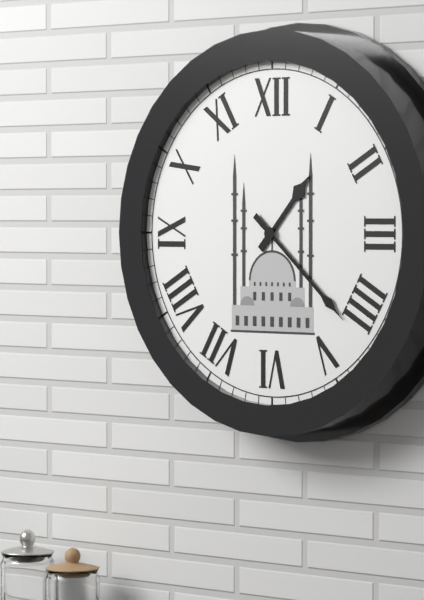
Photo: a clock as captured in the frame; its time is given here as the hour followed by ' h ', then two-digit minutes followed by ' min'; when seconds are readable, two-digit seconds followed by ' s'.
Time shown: 1 h 22 min
